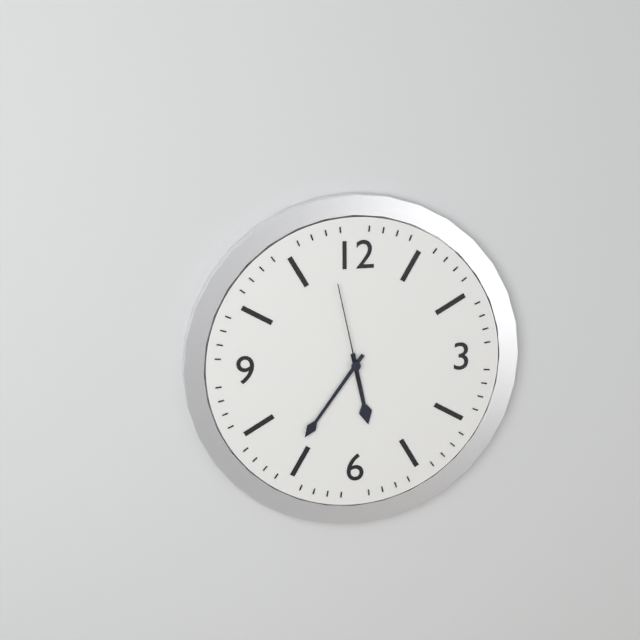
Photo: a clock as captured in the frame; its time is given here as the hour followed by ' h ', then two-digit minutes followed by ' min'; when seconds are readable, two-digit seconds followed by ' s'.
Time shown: 5 h 36 min 58 s
